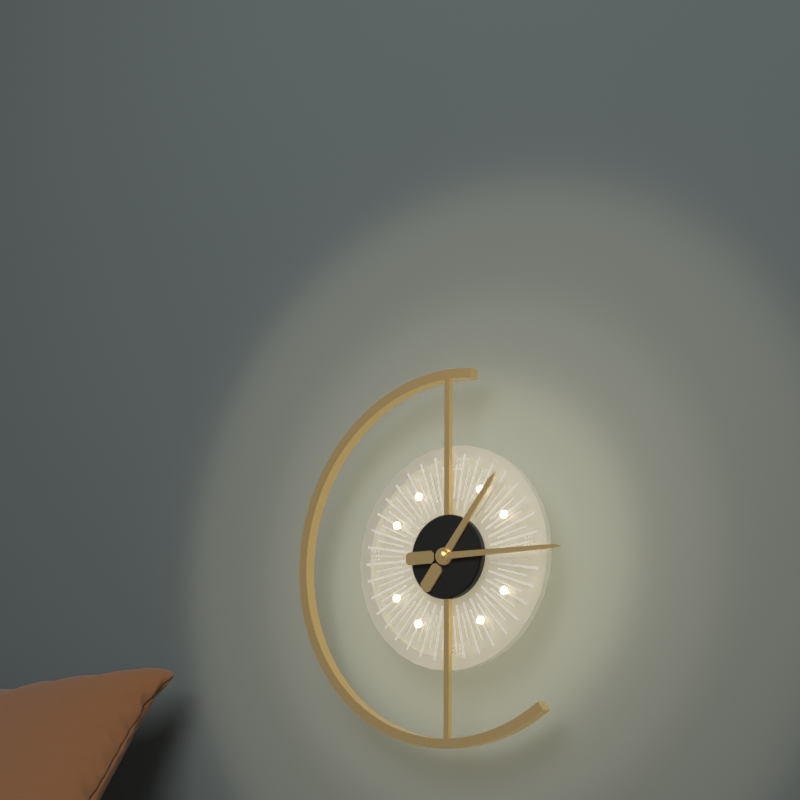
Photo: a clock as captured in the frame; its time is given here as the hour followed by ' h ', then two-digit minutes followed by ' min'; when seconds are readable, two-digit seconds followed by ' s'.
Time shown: 1 h 15 min
